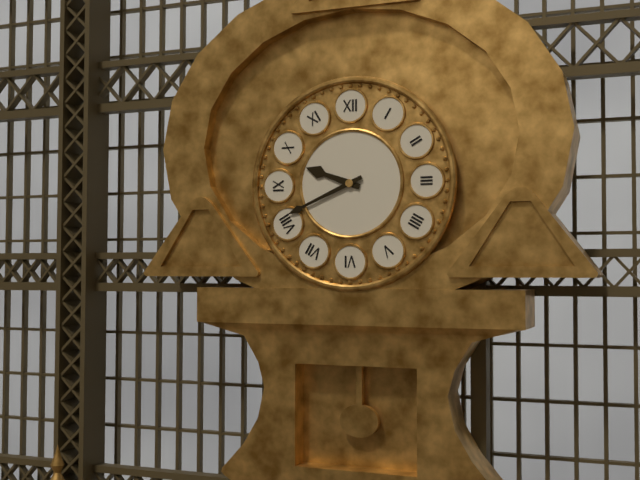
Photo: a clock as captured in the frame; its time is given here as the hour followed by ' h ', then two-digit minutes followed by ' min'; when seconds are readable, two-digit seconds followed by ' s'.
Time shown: 9 h 41 min
